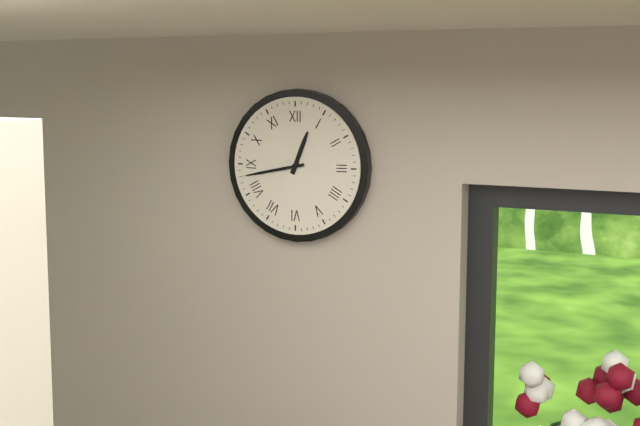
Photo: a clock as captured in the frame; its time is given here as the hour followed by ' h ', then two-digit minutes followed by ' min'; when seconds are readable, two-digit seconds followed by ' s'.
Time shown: 12 h 43 min
